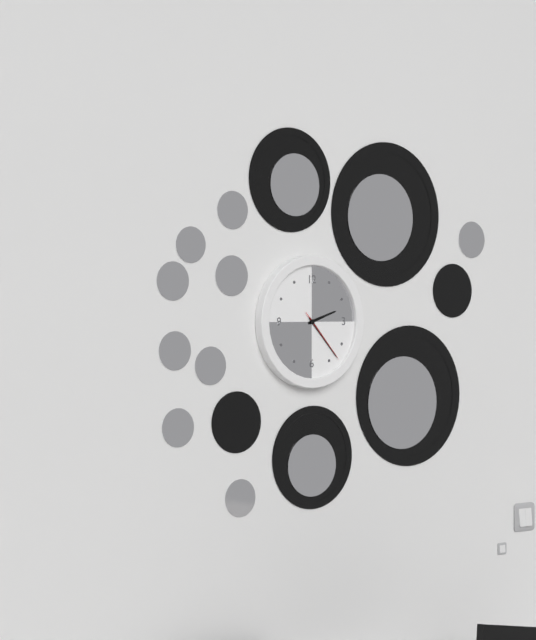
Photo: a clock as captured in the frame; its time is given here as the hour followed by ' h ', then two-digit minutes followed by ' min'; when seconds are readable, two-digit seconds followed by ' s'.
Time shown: 2 h 23 min 23 s
